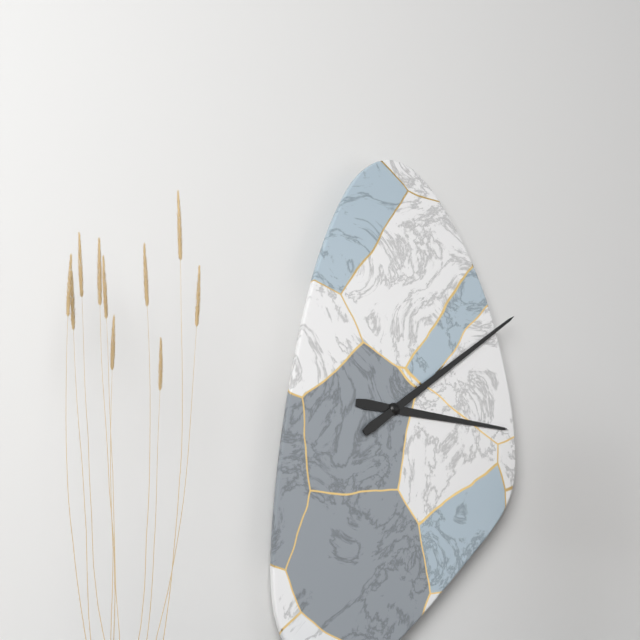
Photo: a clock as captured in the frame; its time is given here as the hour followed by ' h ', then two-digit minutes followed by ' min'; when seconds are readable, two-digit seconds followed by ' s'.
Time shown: 3 h 09 min
